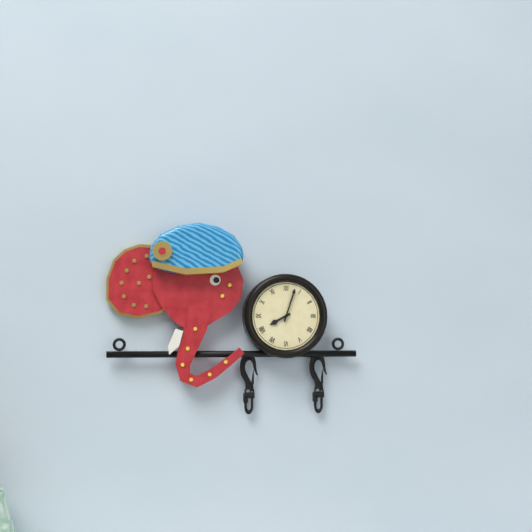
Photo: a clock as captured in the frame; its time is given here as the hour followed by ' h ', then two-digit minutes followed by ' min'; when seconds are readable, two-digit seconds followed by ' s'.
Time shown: 8 h 03 min
